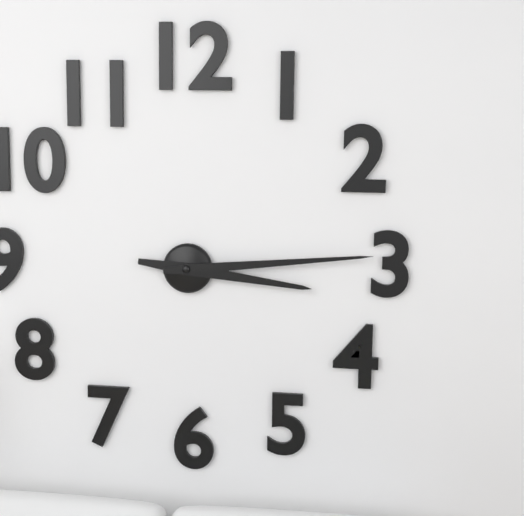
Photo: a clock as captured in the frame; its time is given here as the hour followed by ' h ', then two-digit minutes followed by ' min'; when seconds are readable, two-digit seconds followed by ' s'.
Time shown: 3 h 14 min
